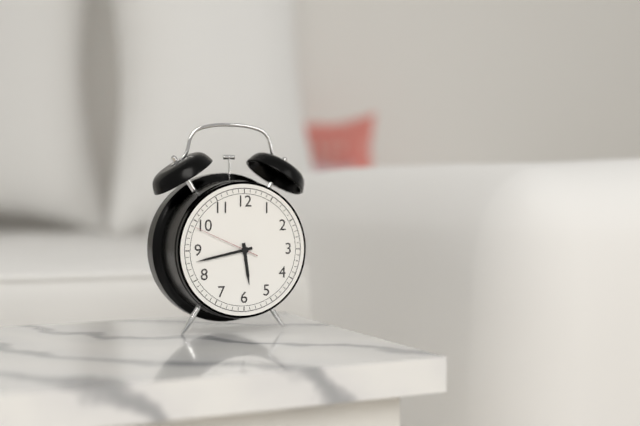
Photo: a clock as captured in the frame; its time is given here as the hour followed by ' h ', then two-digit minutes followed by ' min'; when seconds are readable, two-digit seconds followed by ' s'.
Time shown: 5 h 43 min 49 s
